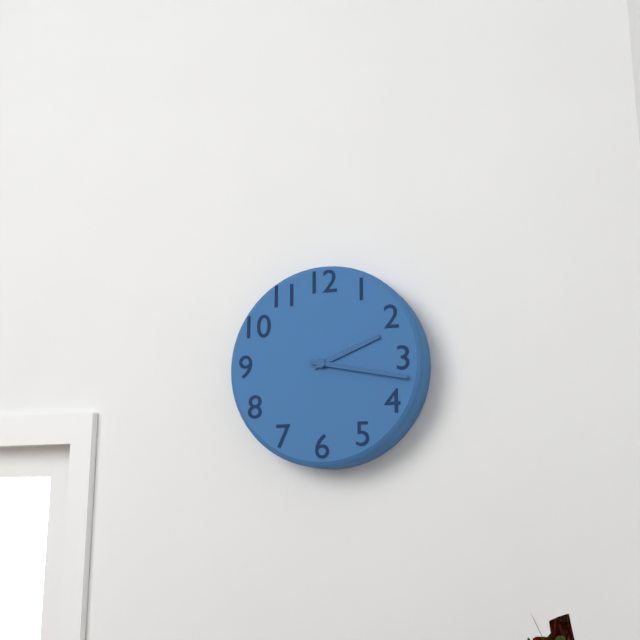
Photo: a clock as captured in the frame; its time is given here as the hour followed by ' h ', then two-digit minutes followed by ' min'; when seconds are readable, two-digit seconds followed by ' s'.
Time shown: 2 h 17 min
